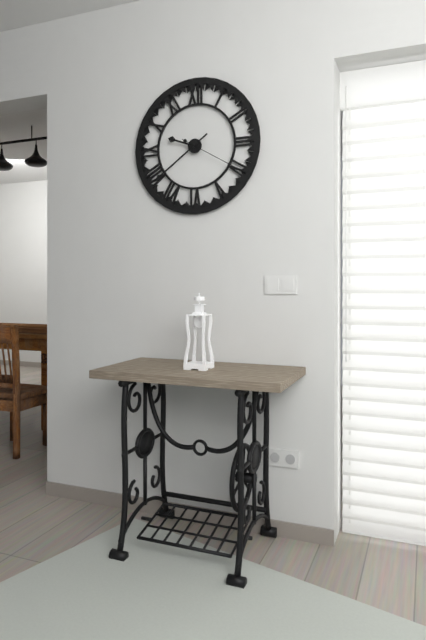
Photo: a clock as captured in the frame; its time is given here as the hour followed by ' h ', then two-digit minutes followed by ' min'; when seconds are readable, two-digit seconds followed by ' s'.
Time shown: 9 h 39 min 20 s
